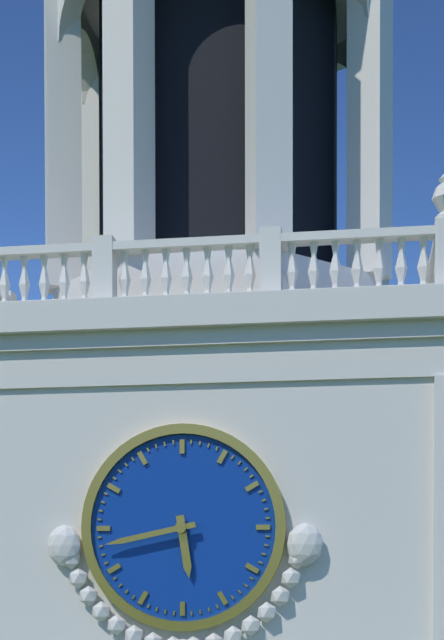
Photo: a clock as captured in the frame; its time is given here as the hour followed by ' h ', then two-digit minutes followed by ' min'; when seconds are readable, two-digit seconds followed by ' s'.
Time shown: 5 h 43 min
